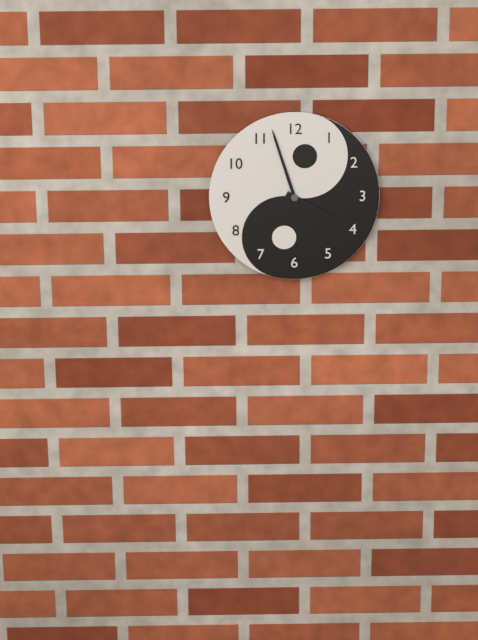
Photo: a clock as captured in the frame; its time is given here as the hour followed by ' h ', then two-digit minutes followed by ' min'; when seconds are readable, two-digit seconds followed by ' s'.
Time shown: 3 h 57 min
